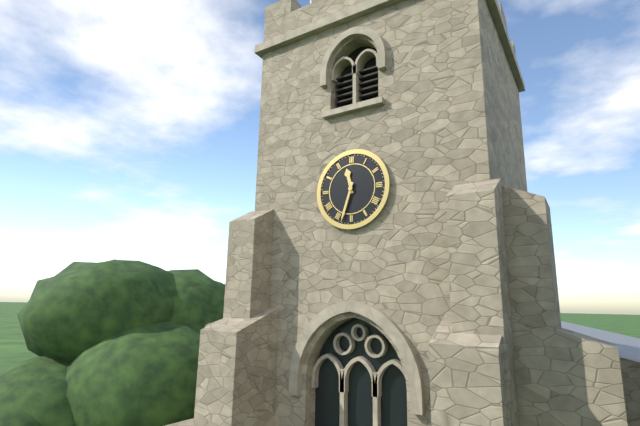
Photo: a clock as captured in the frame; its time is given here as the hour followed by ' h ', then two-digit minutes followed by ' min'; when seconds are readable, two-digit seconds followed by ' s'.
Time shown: 11 h 33 min
